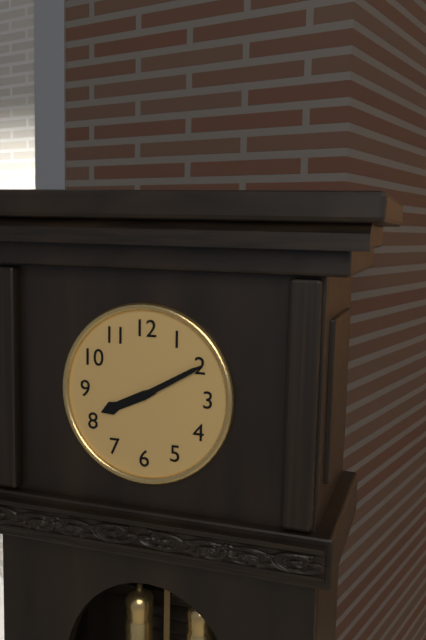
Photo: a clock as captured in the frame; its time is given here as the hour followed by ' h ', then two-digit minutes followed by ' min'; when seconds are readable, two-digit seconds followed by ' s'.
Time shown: 8 h 10 min
